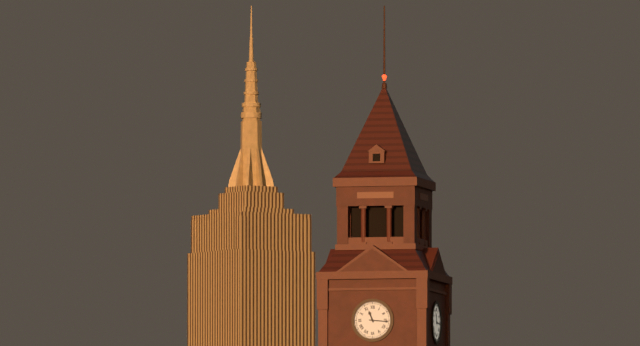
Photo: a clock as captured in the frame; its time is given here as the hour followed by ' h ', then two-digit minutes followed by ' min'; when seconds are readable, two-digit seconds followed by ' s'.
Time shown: 11 h 16 min
